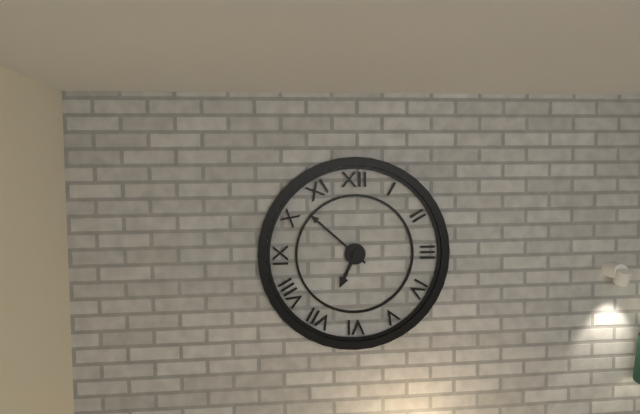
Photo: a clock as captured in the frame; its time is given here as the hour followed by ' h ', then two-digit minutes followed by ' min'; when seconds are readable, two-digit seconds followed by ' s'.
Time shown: 6 h 52 min
